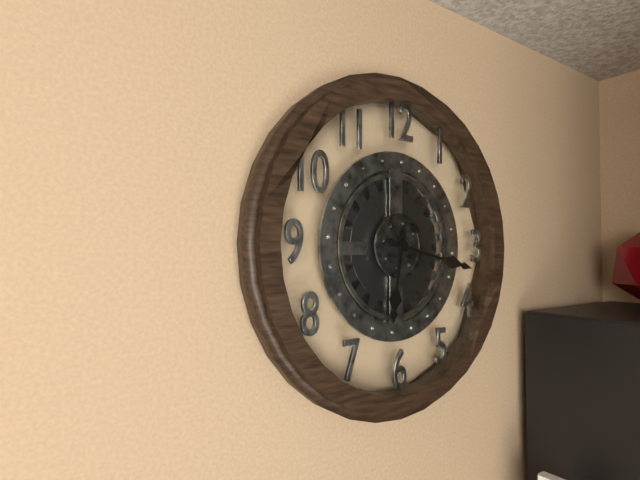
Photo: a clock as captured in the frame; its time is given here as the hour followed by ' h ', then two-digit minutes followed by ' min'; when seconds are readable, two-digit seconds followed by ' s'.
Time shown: 6 h 17 min
